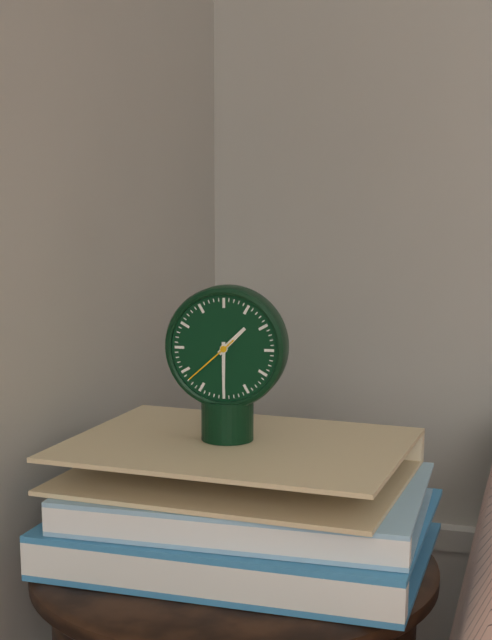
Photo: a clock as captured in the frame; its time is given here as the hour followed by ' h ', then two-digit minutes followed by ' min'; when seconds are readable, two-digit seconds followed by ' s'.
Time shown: 1 h 30 min 38 s
